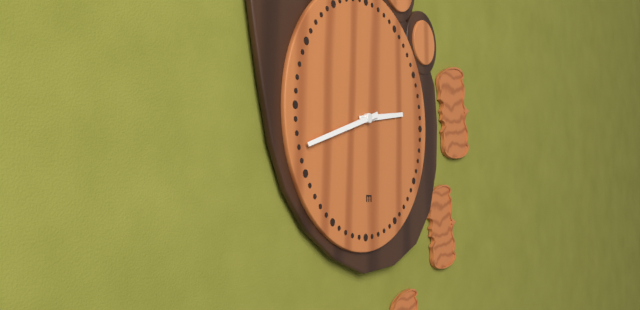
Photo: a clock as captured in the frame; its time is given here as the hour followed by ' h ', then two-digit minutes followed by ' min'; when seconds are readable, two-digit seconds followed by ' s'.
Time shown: 2 h 42 min
